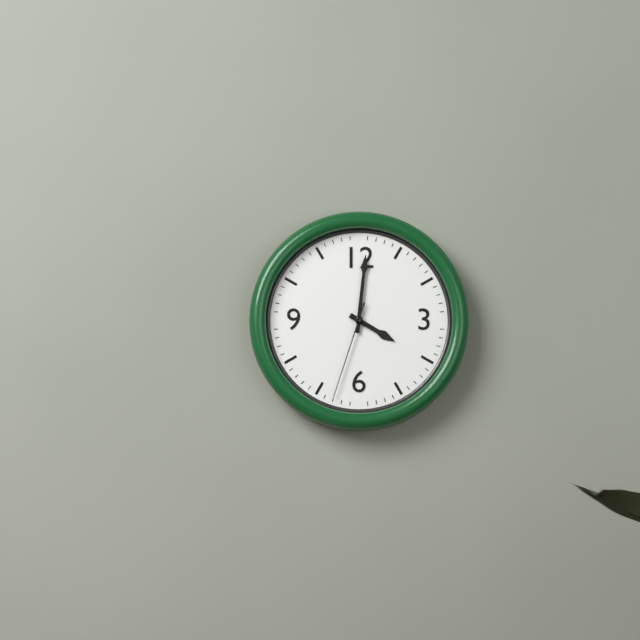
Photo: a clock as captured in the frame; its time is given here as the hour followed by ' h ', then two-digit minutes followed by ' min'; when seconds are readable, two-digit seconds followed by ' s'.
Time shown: 4 h 01 min 33 s
